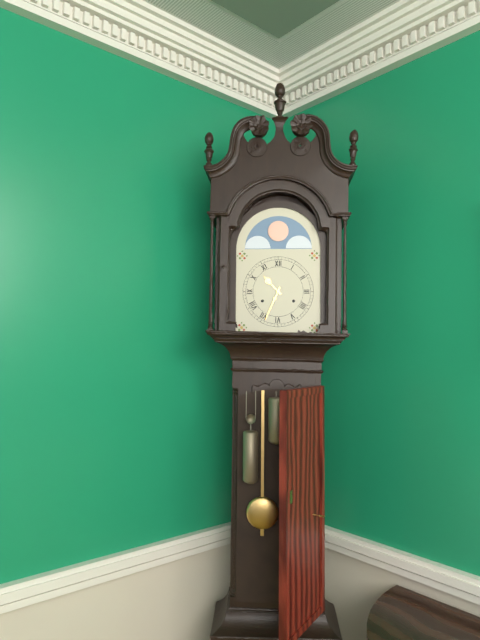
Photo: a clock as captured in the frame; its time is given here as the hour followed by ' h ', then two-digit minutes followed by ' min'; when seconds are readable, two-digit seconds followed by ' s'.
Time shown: 10 h 34 min
